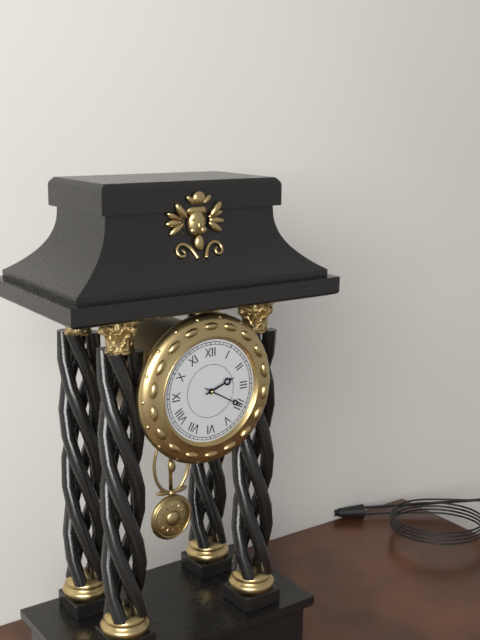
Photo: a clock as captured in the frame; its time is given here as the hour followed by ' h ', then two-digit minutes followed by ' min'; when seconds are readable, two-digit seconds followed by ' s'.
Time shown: 2 h 20 min
